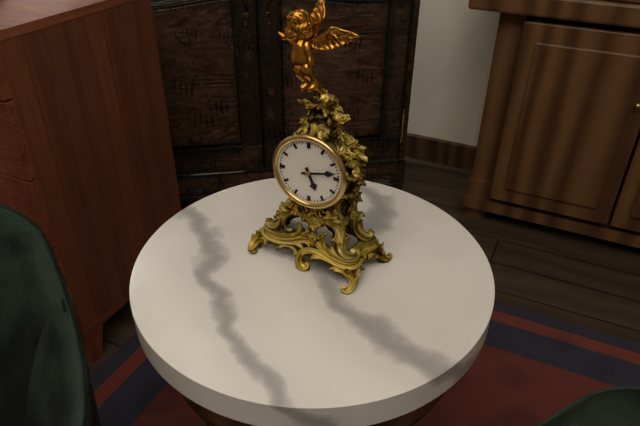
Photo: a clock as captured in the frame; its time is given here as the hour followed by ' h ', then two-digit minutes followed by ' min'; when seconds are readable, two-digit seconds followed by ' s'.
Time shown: 5 h 13 min
